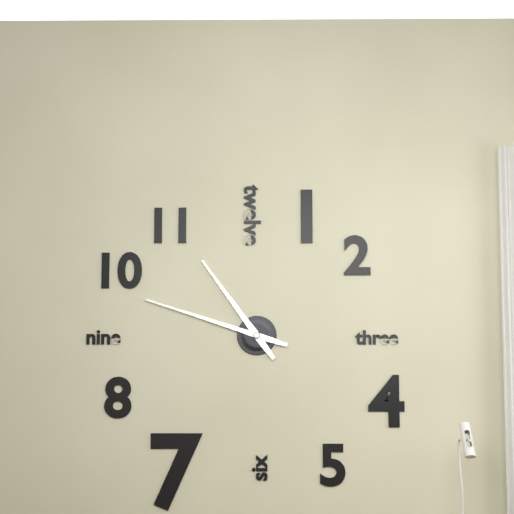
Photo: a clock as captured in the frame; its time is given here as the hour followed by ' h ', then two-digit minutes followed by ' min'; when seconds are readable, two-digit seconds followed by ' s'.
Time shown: 10 h 48 min
